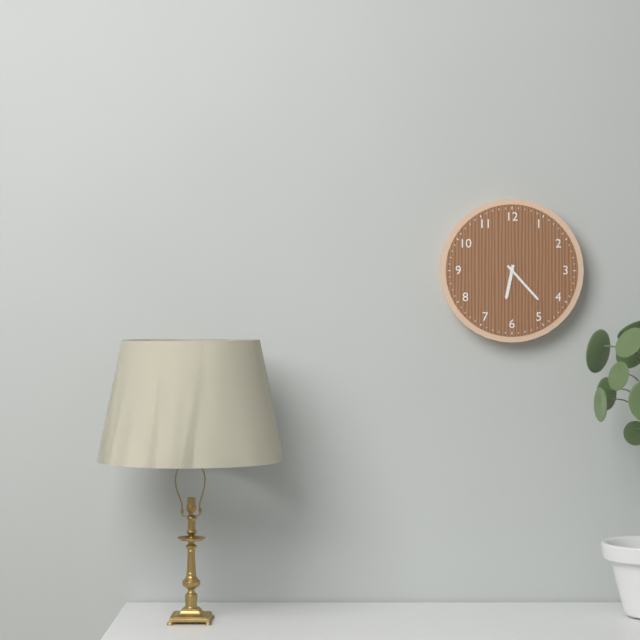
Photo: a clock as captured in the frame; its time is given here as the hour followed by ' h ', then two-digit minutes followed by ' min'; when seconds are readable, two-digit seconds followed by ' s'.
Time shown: 6 h 23 min
